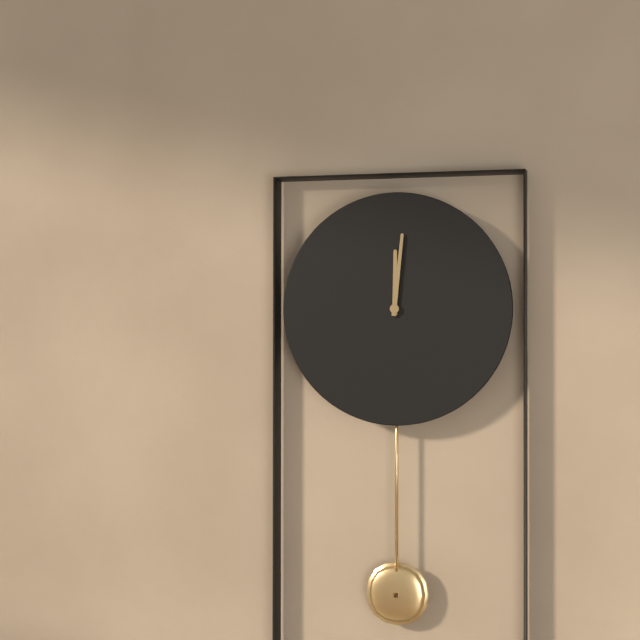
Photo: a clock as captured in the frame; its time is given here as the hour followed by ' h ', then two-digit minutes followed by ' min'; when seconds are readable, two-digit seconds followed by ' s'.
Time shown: 12 h 01 min
